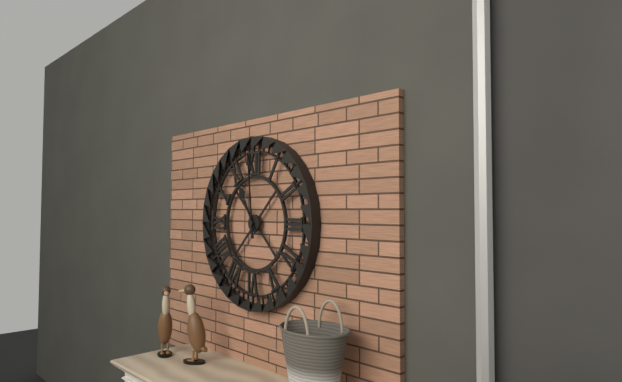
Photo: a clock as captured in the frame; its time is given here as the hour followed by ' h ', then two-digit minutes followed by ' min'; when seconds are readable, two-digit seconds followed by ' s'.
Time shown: 10 h 59 min
